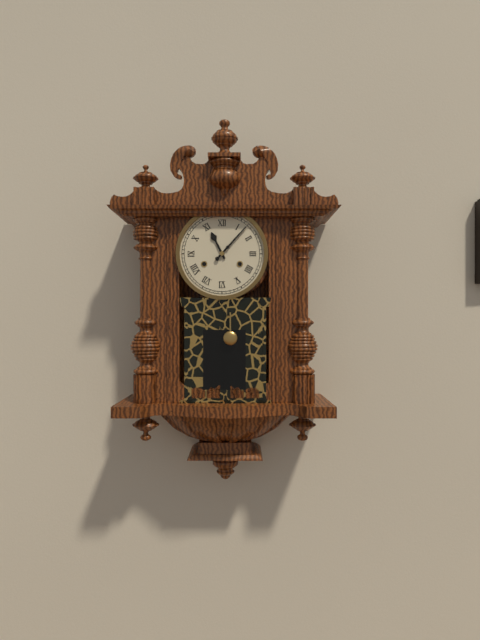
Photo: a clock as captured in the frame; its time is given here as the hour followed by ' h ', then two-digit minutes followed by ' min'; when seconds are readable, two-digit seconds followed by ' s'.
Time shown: 11 h 07 min
